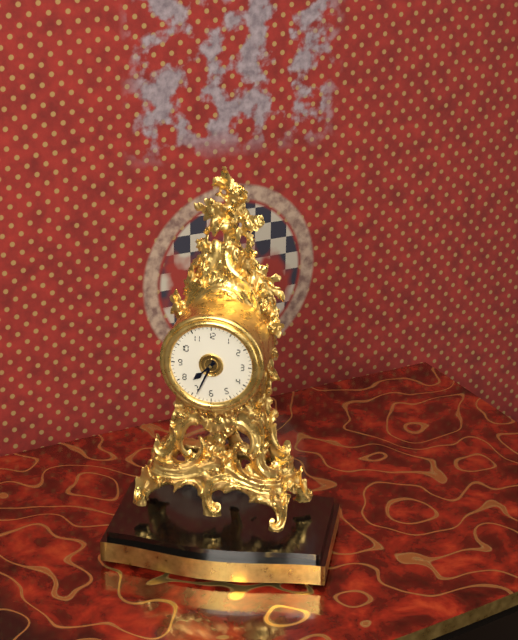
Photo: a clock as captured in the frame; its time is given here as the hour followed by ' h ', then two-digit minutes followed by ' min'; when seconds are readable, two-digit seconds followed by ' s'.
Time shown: 7 h 34 min
